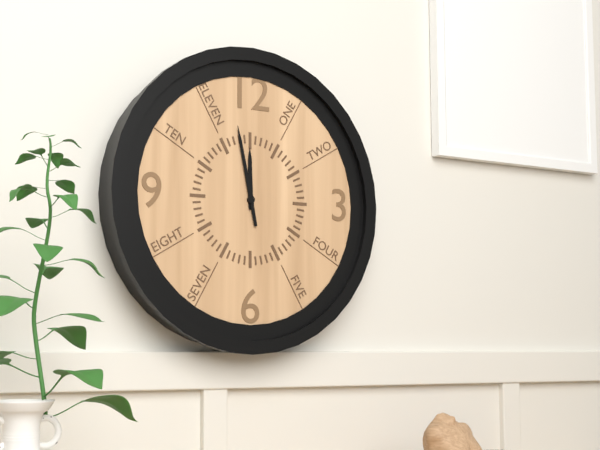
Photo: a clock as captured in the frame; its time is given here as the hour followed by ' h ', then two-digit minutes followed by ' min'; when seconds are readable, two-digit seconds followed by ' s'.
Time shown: 11 h 58 min
